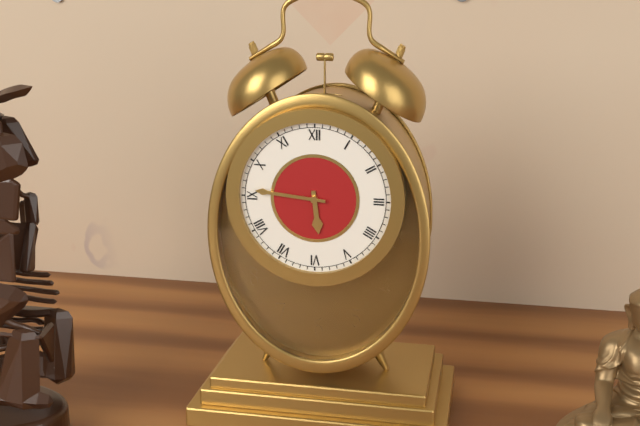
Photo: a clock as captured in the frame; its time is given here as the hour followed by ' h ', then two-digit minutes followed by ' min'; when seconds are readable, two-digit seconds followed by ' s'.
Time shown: 5 h 46 min
